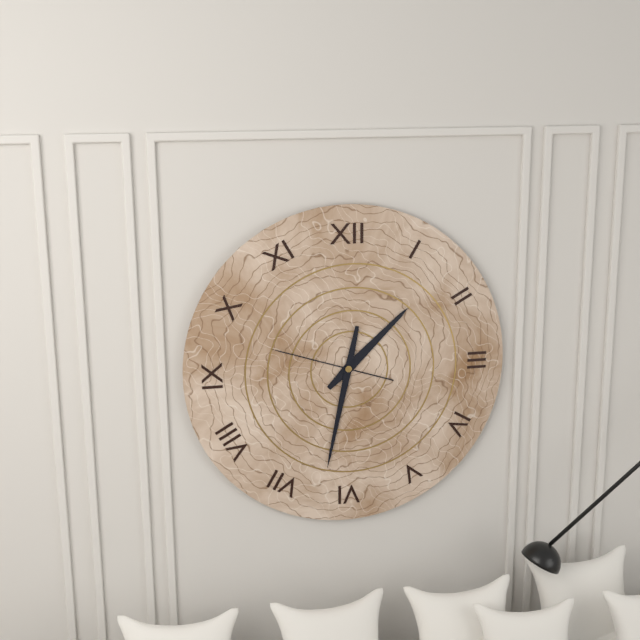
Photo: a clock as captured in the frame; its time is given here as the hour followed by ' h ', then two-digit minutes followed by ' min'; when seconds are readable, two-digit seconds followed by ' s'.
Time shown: 1 h 32 min 48 s
